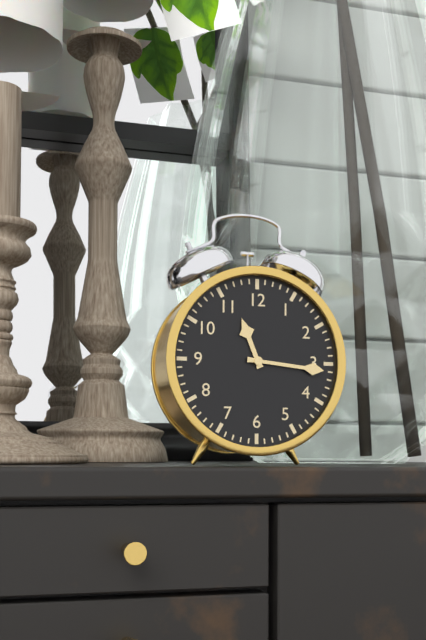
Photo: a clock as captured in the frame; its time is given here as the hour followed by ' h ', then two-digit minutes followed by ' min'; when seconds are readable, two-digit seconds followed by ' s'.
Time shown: 11 h 16 min
